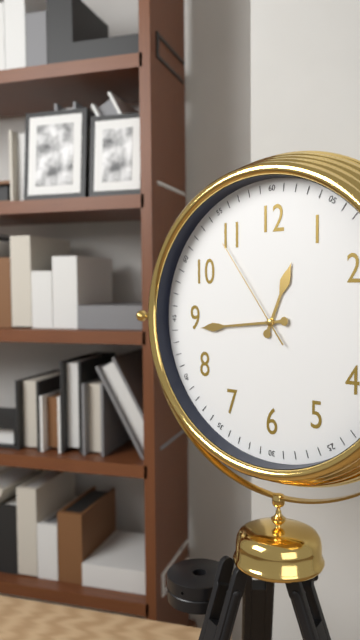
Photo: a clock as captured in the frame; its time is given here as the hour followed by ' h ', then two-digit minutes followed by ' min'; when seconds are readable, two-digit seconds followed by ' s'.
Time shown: 12 h 44 min 54 s
